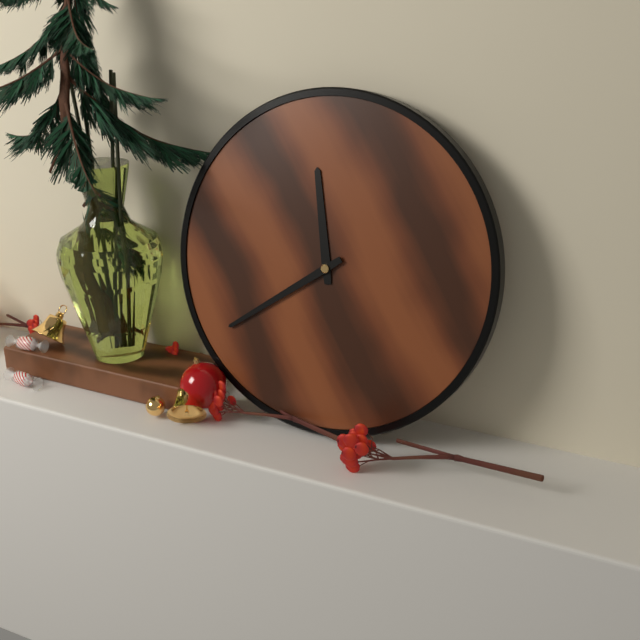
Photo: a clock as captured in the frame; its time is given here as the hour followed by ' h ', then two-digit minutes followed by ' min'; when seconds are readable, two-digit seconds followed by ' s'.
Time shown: 11 h 39 min
